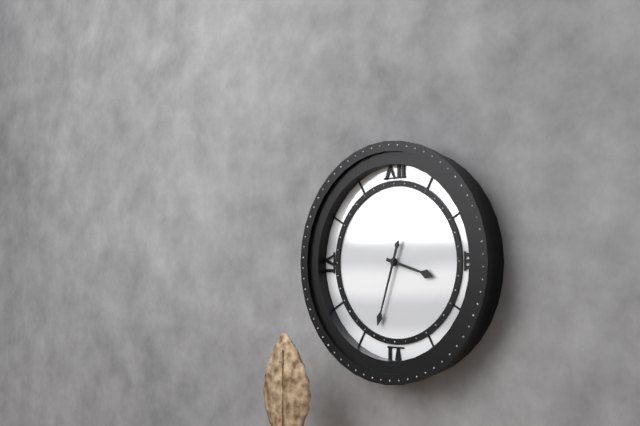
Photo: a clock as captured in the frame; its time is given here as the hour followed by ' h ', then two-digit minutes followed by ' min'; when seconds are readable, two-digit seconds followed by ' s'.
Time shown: 3 h 33 min
